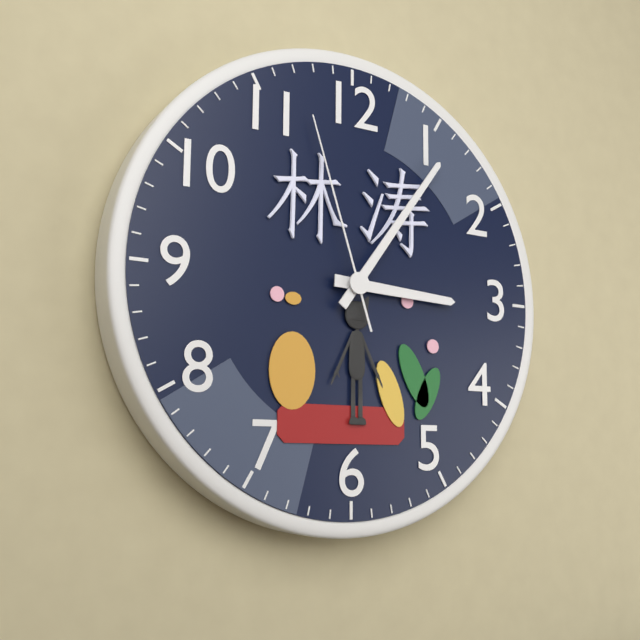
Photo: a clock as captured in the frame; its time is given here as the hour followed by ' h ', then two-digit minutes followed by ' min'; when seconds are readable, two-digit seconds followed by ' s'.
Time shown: 3 h 06 min 57 s
